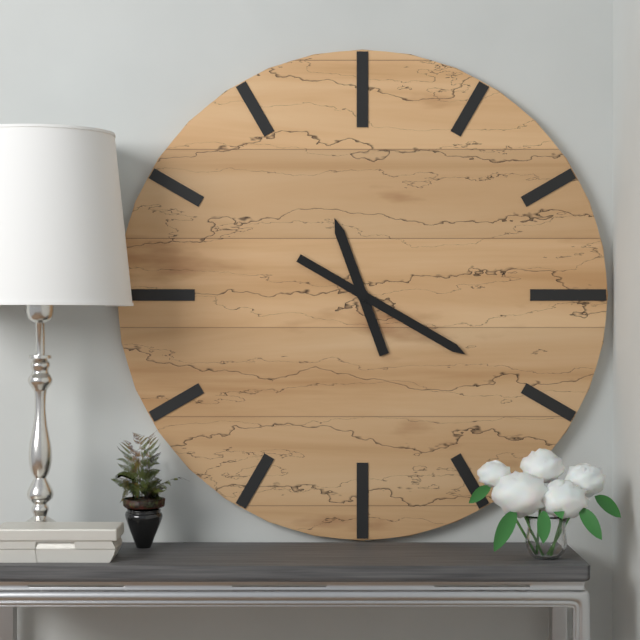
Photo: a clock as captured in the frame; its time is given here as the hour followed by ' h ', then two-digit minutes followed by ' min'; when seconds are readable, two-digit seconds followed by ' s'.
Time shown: 11 h 20 min
